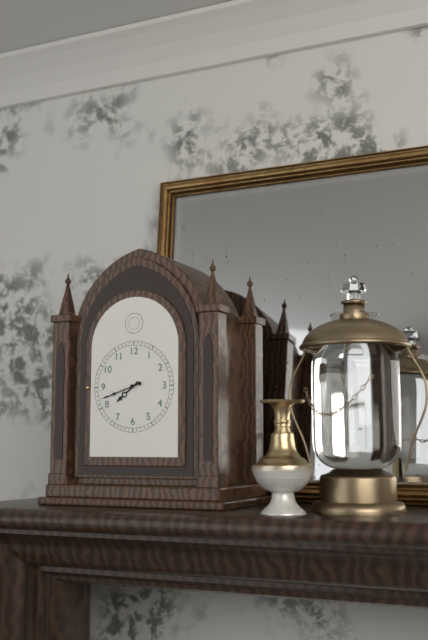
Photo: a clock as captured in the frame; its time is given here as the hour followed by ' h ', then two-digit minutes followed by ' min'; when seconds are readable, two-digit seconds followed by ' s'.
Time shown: 7 h 42 min
